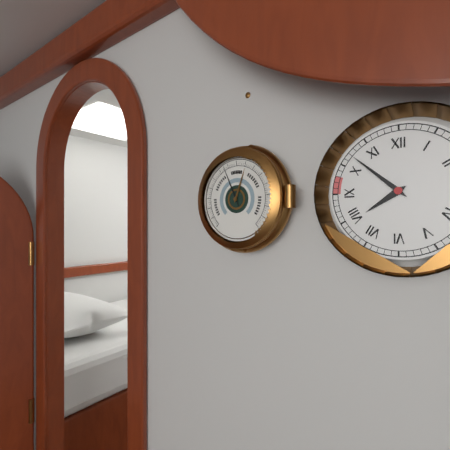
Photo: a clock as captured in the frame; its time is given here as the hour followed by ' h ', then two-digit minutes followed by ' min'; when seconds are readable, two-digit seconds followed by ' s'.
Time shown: 7 h 52 min
